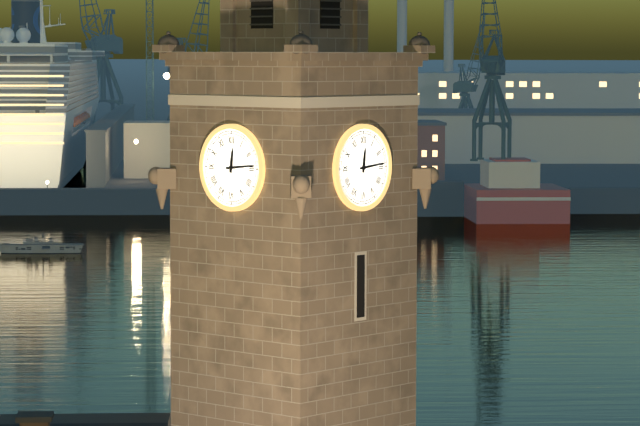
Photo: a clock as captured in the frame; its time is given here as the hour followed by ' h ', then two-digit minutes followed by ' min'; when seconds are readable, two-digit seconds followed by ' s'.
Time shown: 12 h 14 min
